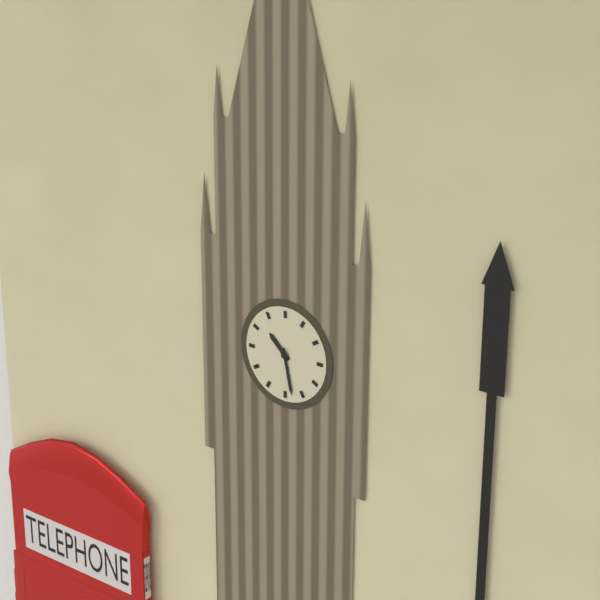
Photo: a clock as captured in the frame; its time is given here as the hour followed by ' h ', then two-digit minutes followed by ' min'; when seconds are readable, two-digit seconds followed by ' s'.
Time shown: 10 h 28 min
